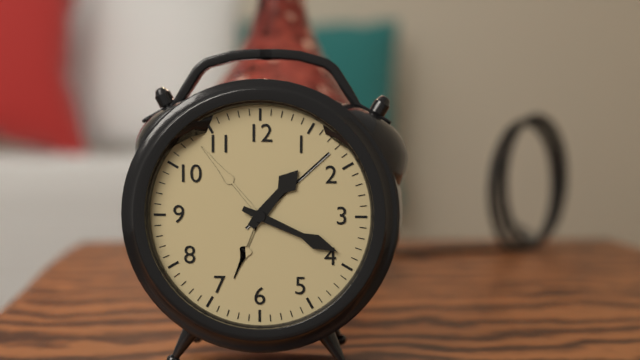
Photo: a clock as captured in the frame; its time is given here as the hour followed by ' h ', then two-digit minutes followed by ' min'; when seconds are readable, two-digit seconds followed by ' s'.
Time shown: 1 h 19 min
